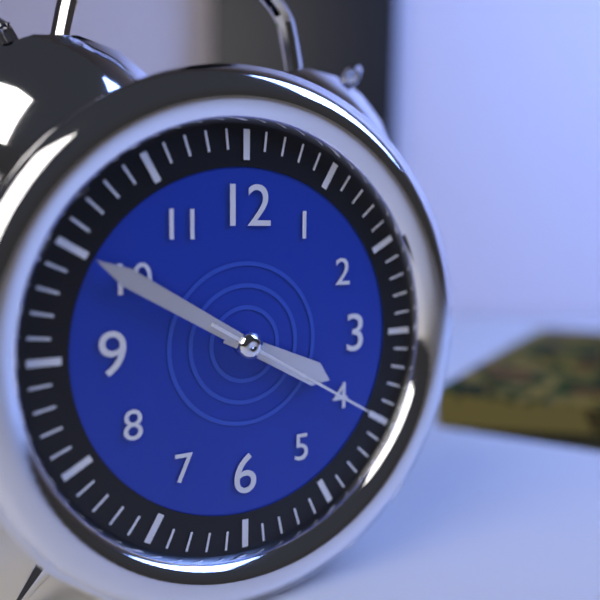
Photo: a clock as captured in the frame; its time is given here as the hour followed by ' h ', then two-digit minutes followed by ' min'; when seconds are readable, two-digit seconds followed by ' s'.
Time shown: 3 h 50 min 20 s
